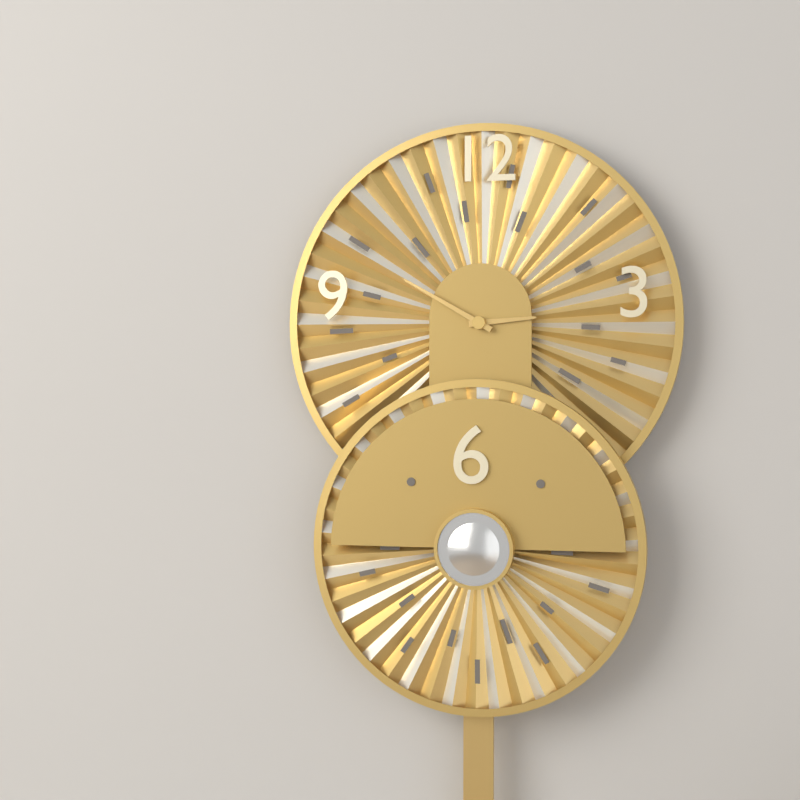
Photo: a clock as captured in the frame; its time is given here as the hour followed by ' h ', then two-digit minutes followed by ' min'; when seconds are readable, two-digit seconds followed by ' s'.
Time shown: 2 h 50 min
